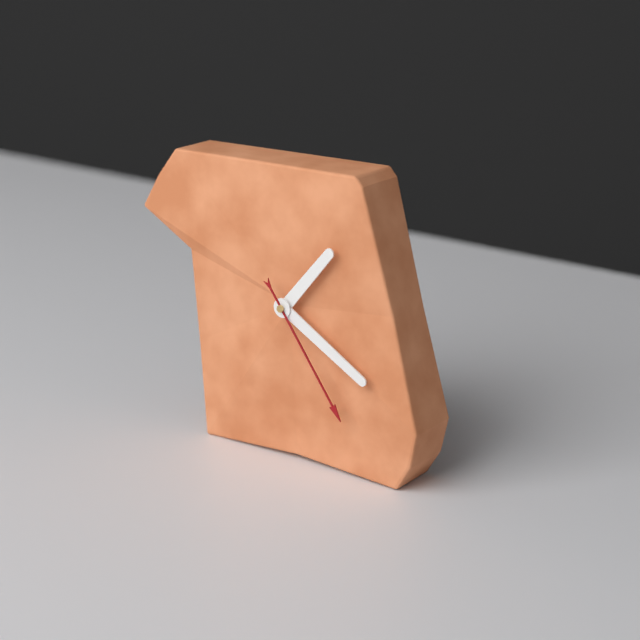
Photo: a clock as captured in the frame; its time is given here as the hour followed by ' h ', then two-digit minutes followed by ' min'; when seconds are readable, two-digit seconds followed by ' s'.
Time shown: 1 h 20 min 24 s
